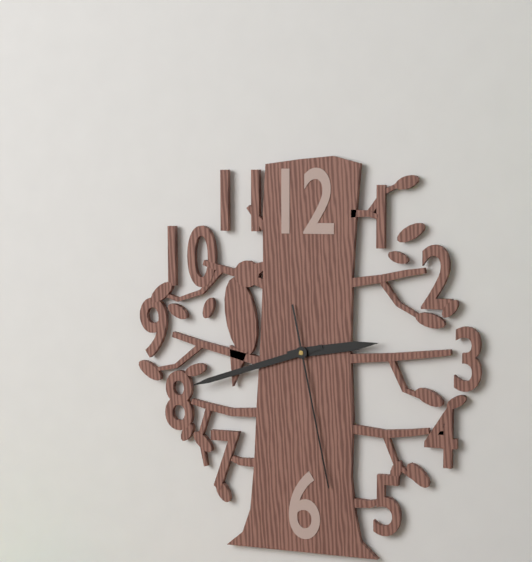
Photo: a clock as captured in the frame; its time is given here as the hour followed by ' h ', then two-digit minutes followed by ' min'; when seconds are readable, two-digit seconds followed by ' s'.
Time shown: 2 h 42 min 28 s
